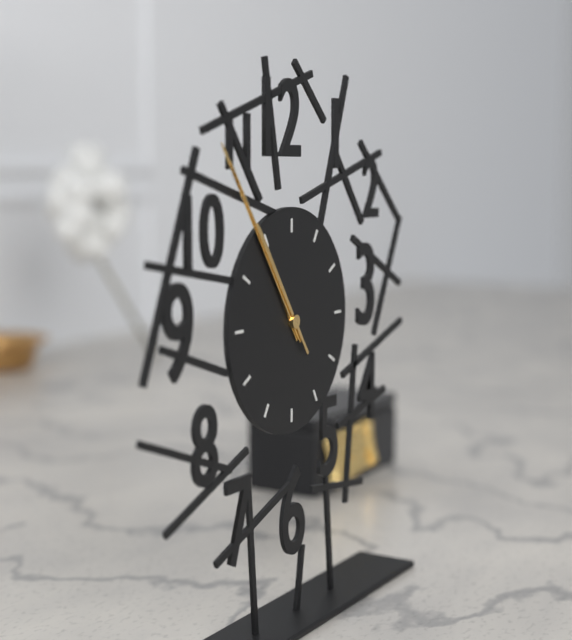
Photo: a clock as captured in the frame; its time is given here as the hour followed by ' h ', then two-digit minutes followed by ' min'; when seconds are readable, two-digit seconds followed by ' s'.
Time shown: 10 h 54 min 54 s
